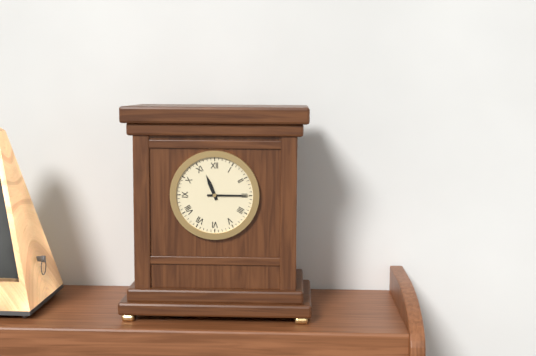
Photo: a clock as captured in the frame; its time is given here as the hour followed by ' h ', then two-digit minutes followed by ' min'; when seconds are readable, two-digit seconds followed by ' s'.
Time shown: 11 h 15 min
